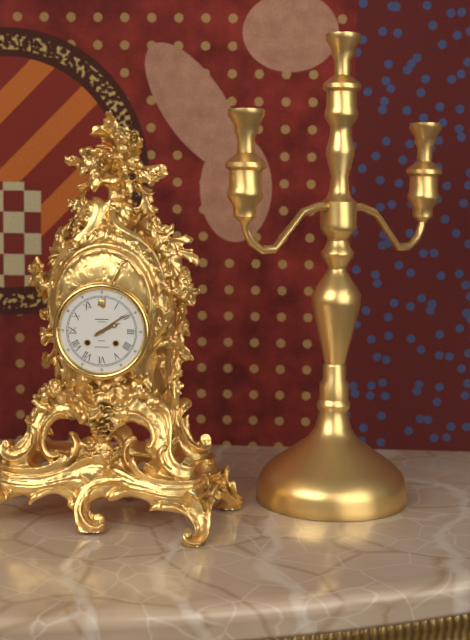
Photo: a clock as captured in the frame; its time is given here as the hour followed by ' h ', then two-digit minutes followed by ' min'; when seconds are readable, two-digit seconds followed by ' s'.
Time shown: 2 h 09 min
